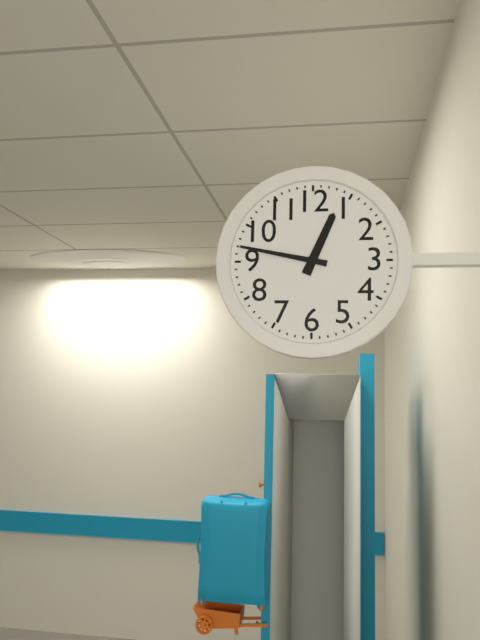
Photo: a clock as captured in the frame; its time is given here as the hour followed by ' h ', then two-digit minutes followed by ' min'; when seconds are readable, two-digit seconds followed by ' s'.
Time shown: 12 h 47 min
